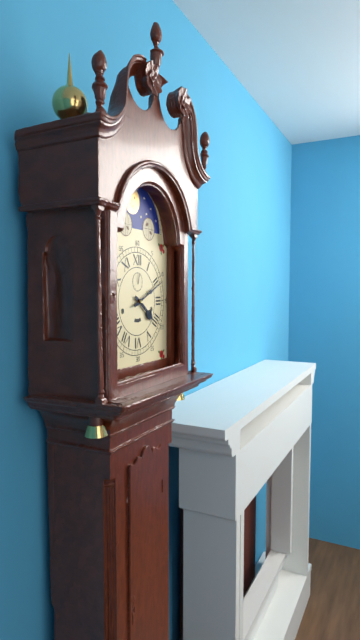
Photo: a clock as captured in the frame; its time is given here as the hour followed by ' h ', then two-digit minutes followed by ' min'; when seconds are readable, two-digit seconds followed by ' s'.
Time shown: 4 h 11 min
